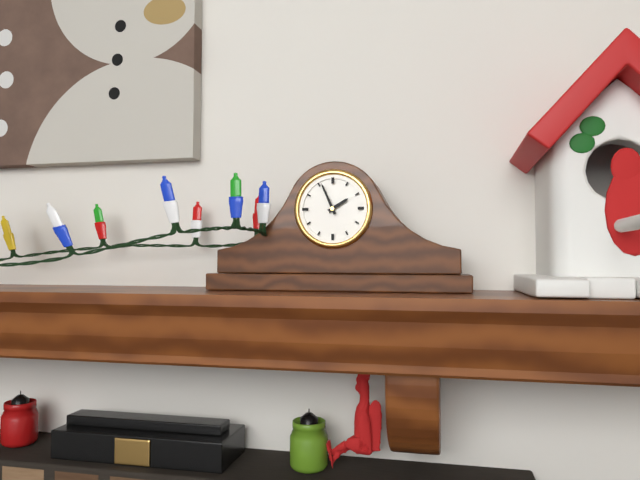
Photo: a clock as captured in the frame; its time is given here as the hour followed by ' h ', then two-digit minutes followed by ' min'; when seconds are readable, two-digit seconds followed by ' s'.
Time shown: 1 h 56 min
